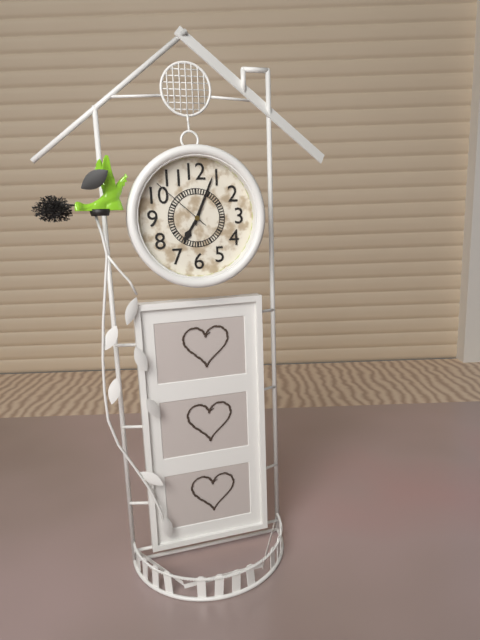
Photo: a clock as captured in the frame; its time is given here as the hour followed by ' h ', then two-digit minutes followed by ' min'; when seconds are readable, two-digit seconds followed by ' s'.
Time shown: 7 h 04 min 52 s
